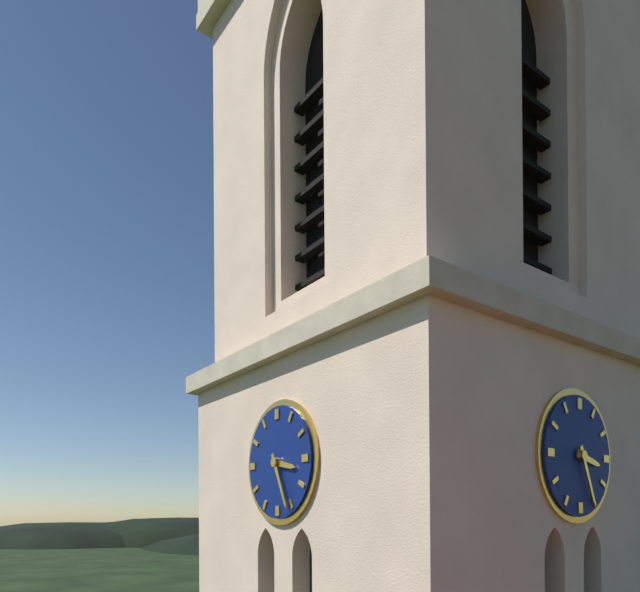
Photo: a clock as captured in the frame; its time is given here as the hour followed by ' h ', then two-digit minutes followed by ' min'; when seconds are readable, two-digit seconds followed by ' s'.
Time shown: 3 h 26 min
